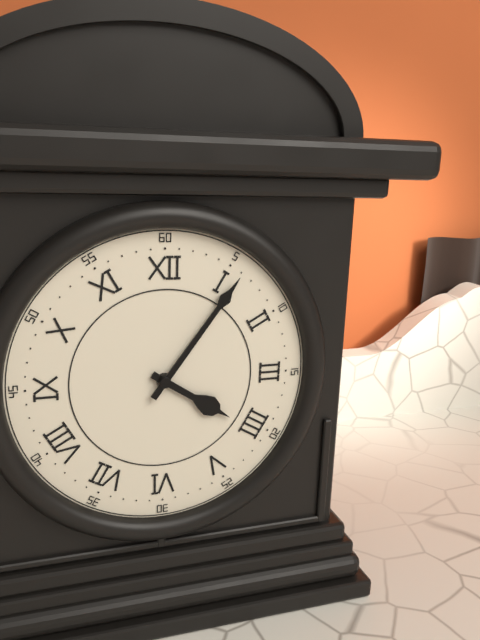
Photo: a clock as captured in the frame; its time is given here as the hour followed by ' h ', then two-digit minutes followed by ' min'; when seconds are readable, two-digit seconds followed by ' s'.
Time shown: 4 h 06 min
